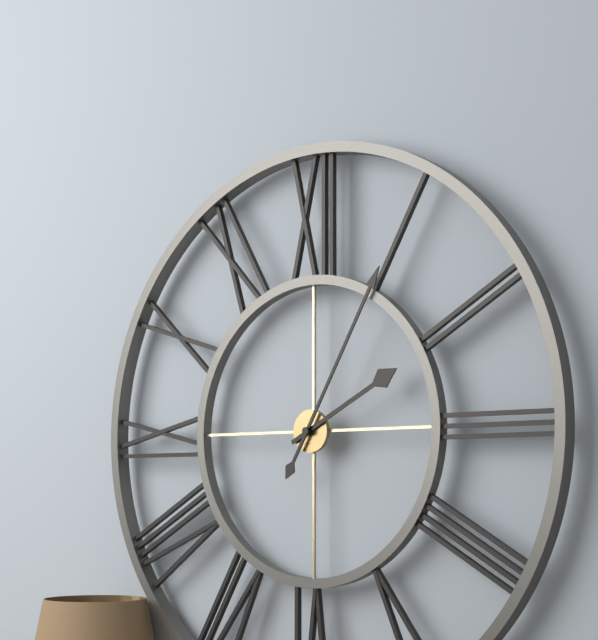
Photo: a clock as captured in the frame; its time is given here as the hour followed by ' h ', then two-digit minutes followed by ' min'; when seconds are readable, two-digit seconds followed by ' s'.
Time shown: 2 h 05 min
